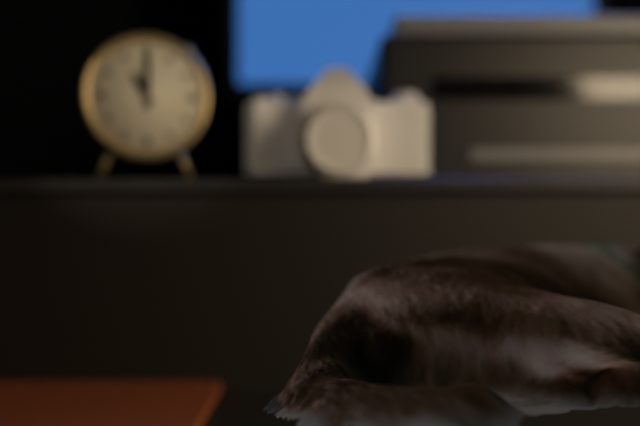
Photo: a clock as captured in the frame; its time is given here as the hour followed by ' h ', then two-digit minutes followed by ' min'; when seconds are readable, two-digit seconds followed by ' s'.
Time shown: 11 h 00 min
